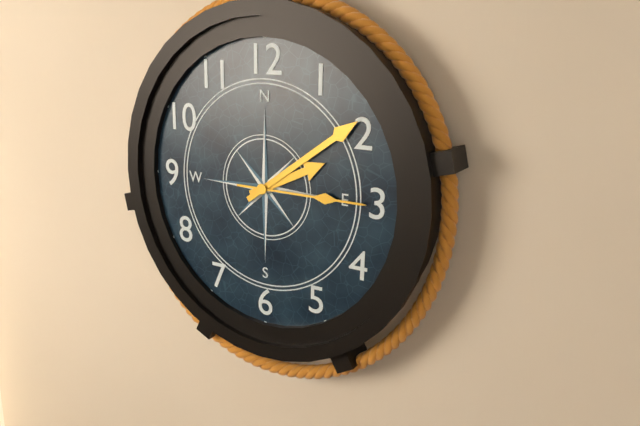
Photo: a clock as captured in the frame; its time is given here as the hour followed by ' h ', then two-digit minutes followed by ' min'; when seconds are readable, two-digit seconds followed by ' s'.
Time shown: 2 h 09 min 15 s
